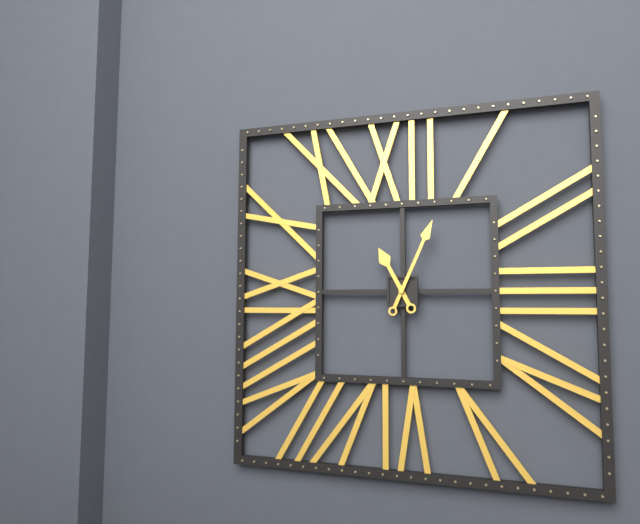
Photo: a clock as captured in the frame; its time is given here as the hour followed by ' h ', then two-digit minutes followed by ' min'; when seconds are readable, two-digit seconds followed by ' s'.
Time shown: 11 h 04 min
